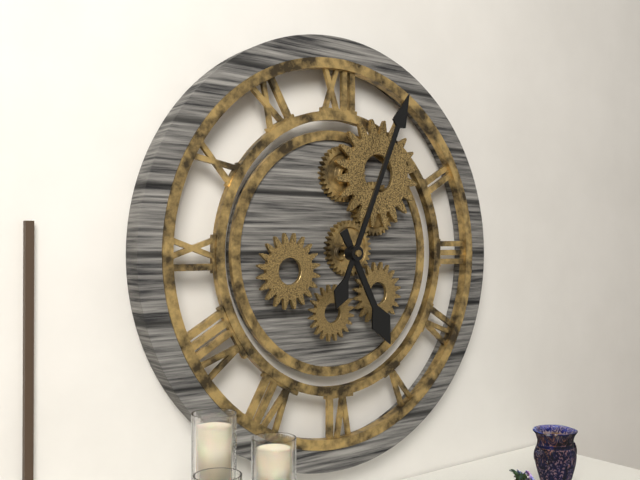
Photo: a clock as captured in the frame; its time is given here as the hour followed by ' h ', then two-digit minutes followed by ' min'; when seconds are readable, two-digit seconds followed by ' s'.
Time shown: 5 h 04 min
